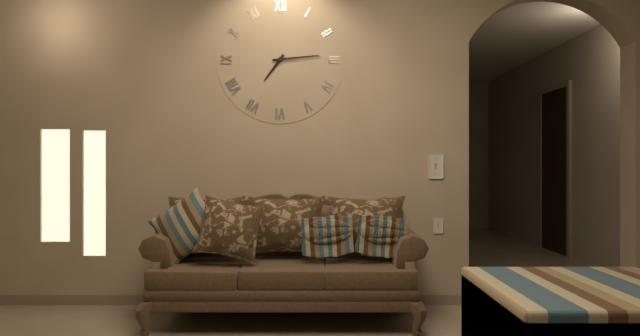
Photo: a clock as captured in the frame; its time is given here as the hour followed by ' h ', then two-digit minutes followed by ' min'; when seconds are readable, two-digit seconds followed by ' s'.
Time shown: 7 h 14 min
